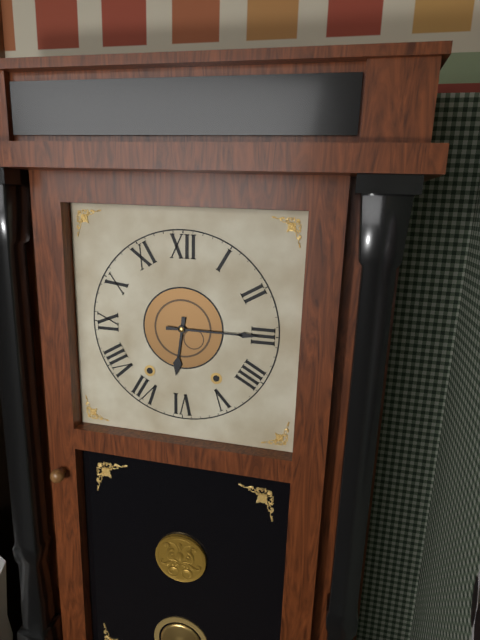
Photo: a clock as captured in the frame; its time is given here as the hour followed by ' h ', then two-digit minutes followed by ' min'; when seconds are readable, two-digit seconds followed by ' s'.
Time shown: 6 h 15 min
